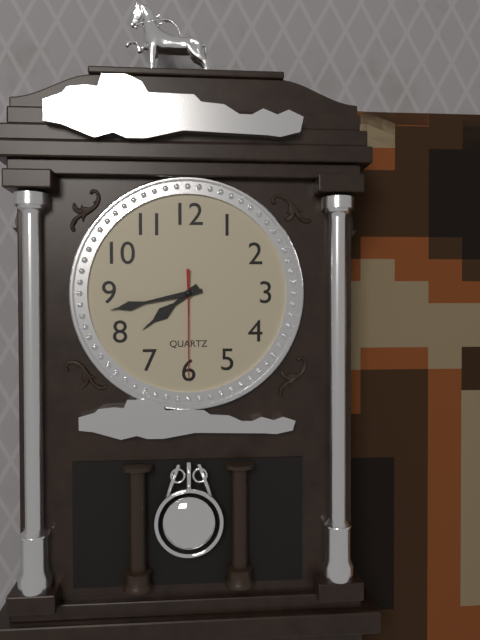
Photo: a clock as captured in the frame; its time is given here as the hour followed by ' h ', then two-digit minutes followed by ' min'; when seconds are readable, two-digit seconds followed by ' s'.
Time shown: 7 h 43 min 30 s
